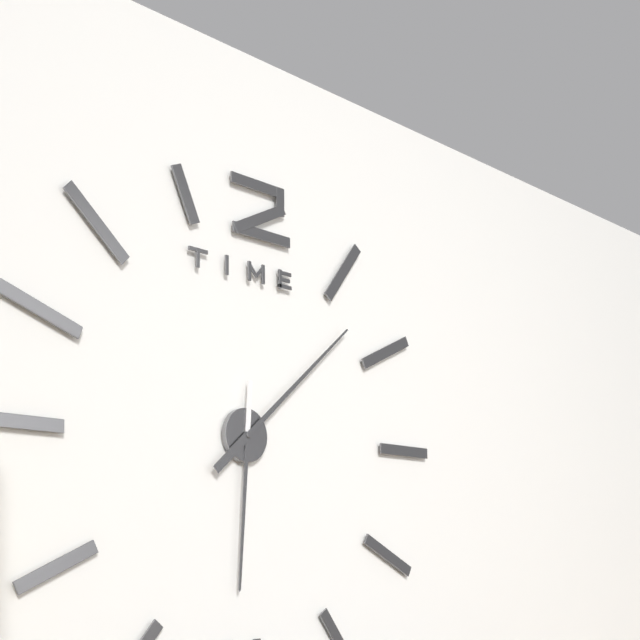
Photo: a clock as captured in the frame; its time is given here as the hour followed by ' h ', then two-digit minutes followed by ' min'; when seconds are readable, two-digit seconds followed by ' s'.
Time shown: 6 h 08 min
